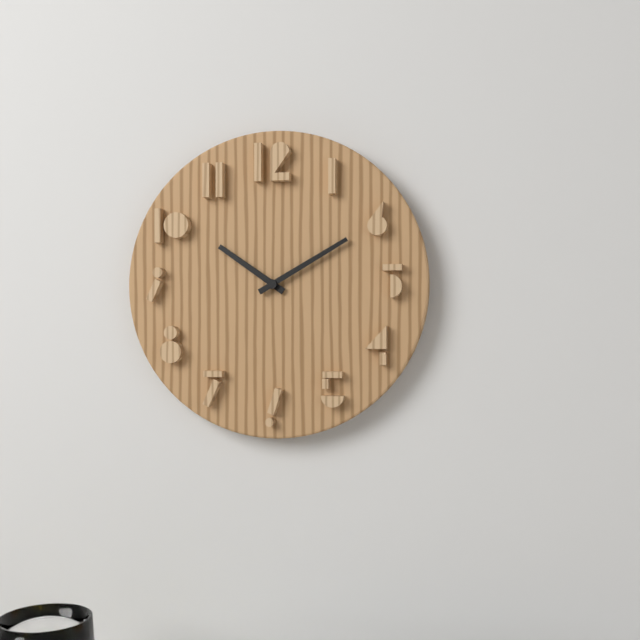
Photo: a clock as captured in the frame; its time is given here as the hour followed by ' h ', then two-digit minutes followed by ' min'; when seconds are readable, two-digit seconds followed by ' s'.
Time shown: 10 h 10 min
